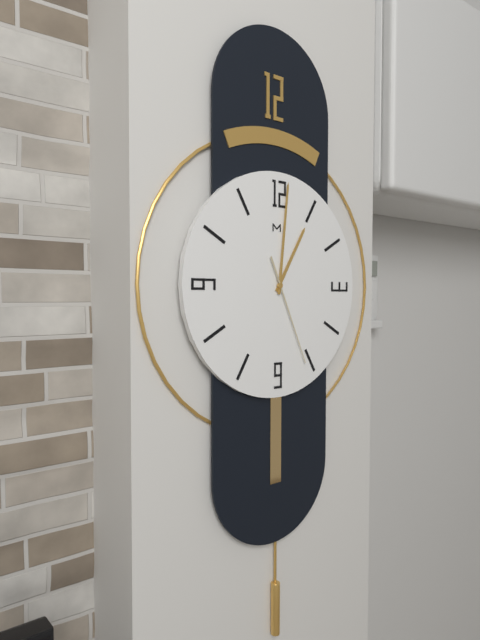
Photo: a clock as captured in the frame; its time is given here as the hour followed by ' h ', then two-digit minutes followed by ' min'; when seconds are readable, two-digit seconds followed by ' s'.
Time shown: 1 h 01 min 26 s
